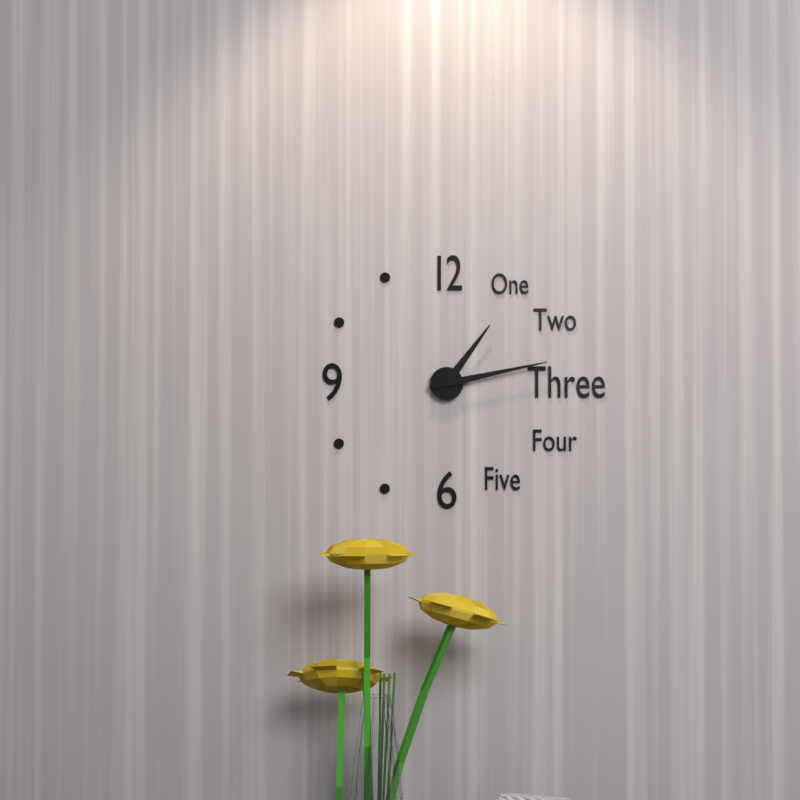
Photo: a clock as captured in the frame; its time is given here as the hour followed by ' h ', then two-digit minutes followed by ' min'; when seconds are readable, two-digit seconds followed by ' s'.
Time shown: 1 h 13 min
